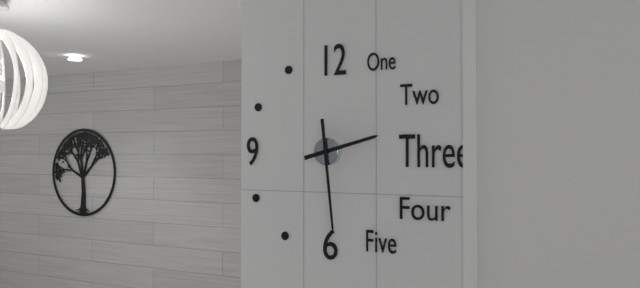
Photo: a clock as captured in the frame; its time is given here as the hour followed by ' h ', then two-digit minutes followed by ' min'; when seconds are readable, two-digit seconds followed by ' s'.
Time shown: 2 h 29 min
